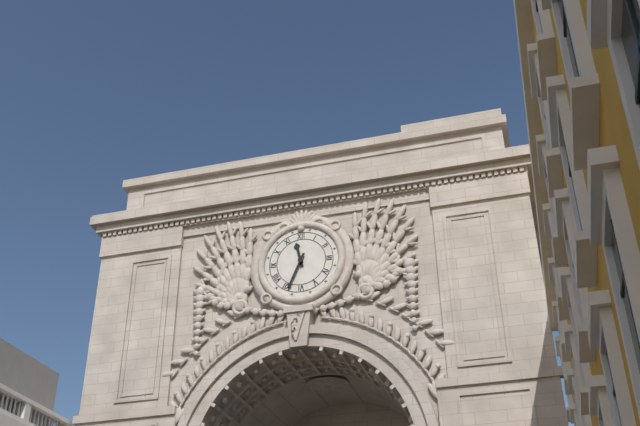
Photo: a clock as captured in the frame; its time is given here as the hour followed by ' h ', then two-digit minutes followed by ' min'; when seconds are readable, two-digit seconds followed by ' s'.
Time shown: 11 h 34 min
